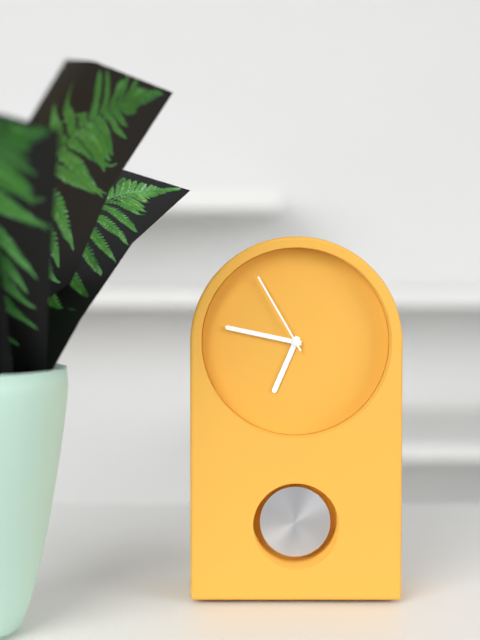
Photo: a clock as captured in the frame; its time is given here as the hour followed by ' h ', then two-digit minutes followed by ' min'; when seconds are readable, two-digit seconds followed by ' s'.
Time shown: 6 h 47 min 55 s
